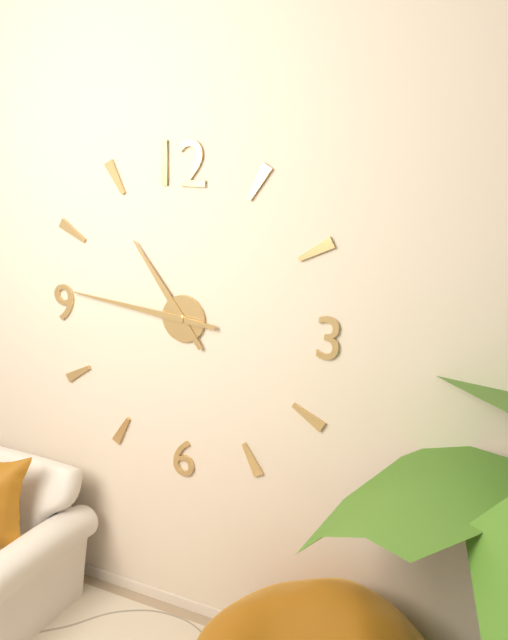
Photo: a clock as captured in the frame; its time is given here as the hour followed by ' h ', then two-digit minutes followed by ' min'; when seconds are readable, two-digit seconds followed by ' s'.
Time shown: 10 h 46 min
